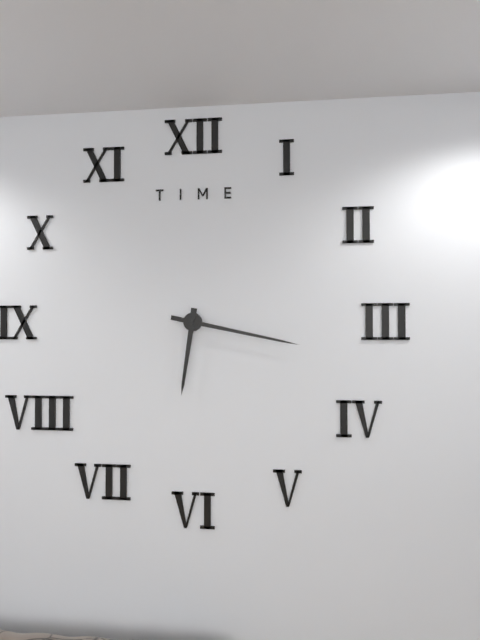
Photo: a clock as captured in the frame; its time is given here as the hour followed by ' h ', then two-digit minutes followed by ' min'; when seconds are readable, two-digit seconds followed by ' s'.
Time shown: 6 h 17 min
